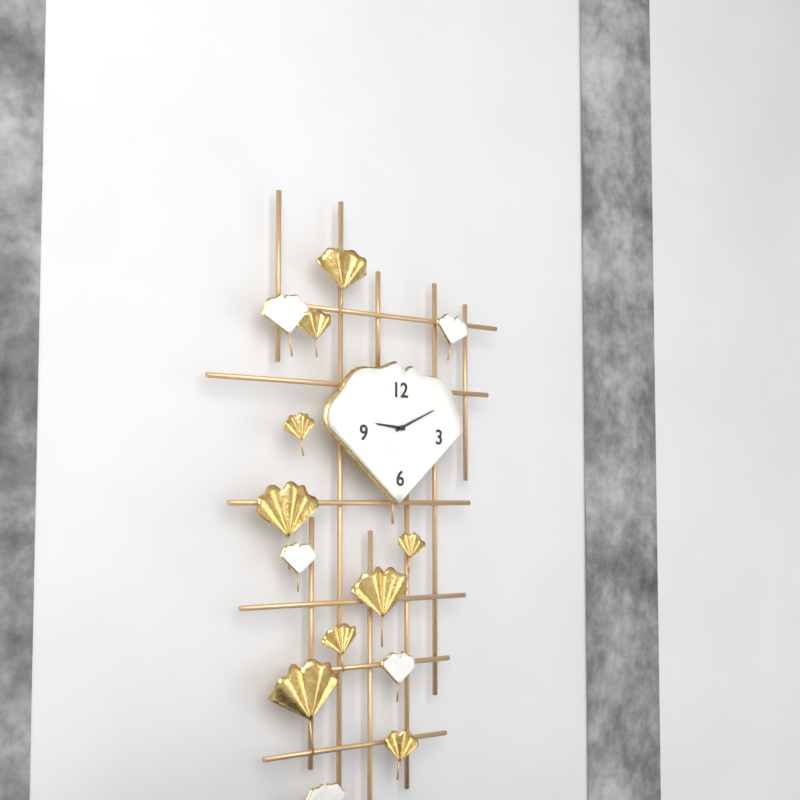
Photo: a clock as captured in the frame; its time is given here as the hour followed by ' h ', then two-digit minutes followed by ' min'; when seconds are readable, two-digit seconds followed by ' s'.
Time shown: 9 h 11 min
